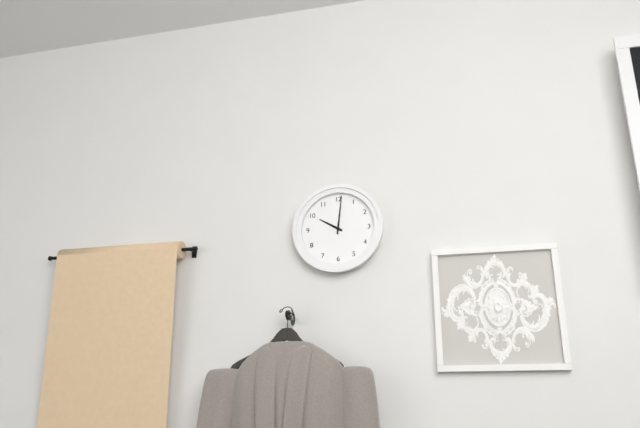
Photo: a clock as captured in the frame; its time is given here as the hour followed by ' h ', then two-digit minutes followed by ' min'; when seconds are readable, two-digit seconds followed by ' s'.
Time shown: 10 h 01 min
